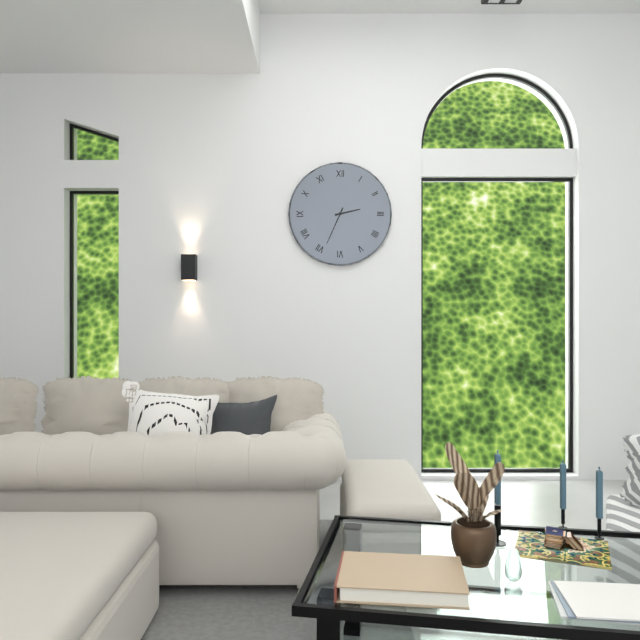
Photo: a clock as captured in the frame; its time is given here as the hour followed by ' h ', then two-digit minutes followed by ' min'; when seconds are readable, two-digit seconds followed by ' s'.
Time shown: 2 h 34 min
